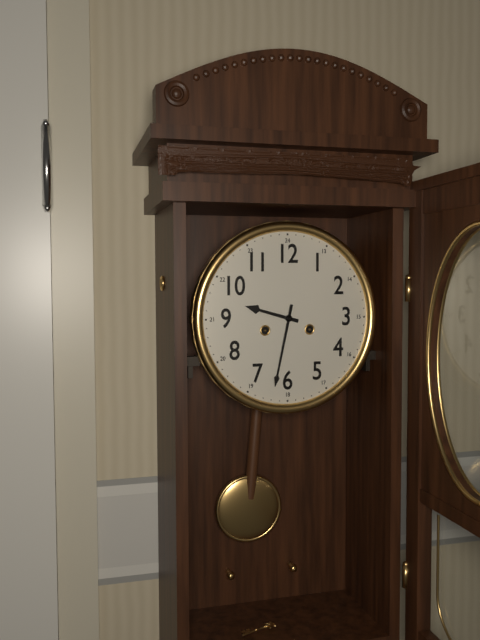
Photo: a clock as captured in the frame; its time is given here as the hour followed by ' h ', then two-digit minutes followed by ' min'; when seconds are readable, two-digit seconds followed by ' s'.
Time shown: 9 h 32 min
